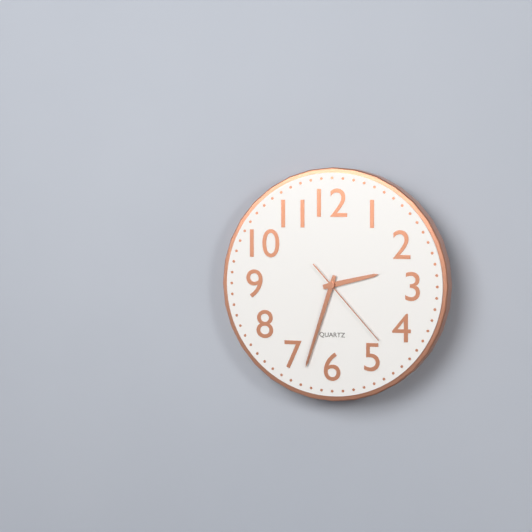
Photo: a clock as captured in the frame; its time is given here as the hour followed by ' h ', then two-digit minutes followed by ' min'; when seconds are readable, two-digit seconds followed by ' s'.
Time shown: 2 h 33 min 23 s
